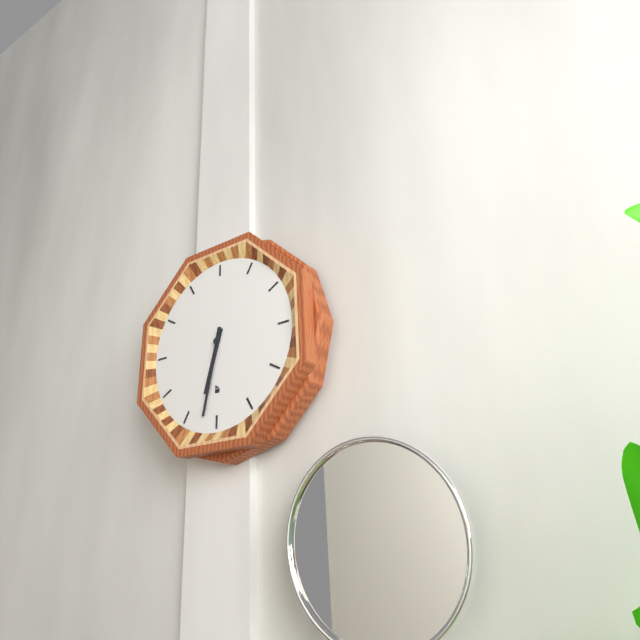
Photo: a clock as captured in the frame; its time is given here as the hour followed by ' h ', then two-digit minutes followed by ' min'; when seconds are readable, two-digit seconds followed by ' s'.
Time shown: 6 h 32 min
